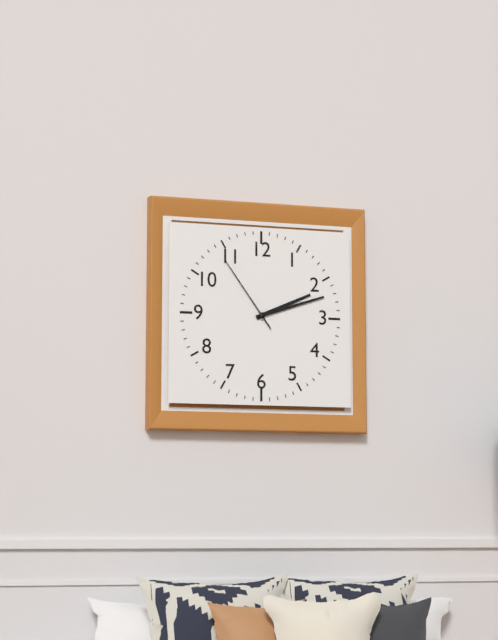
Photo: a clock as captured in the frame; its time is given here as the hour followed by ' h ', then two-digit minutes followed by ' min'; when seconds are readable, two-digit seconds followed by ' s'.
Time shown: 2 h 12 min 54 s
